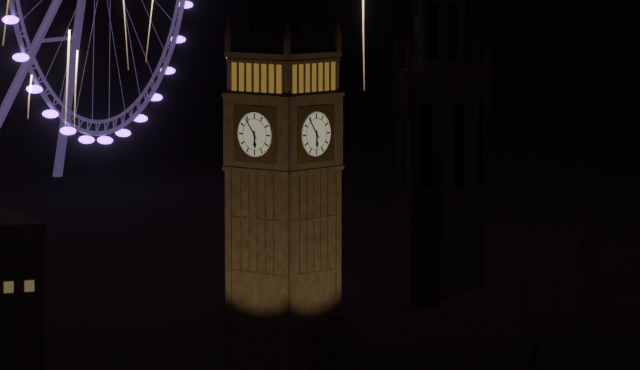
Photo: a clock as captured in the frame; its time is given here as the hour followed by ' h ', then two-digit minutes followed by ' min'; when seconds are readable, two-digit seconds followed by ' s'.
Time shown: 5 h 54 min
